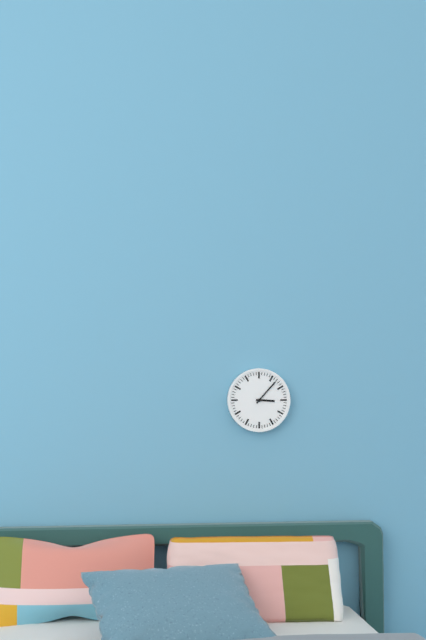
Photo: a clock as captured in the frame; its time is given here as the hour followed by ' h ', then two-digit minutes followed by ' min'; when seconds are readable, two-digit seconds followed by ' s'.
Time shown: 3 h 07 min
